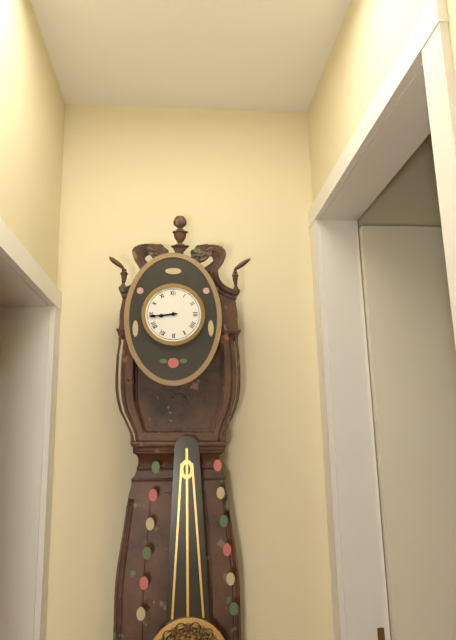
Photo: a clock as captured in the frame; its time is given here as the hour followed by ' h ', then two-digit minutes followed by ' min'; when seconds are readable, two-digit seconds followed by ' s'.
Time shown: 8 h 44 min
